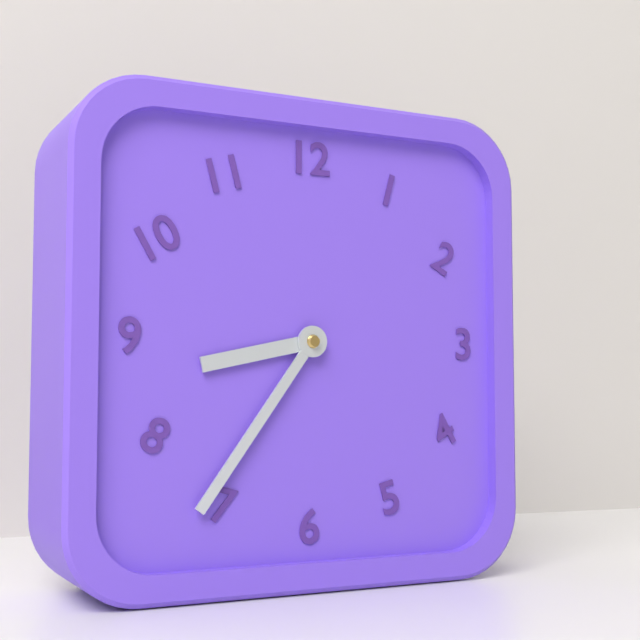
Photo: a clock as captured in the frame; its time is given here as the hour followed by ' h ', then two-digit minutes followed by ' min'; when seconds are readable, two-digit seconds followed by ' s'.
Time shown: 8 h 36 min
